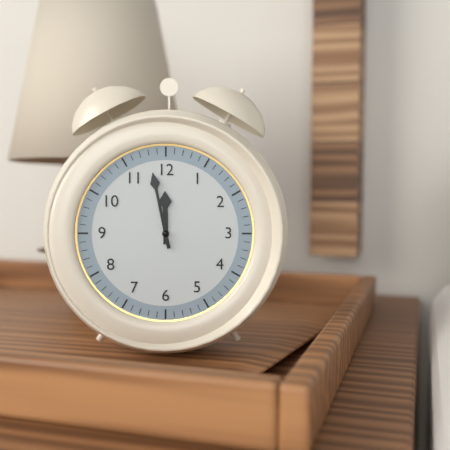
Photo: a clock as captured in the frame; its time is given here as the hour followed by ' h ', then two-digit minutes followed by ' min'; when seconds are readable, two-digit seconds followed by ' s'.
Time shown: 11 h 58 min
